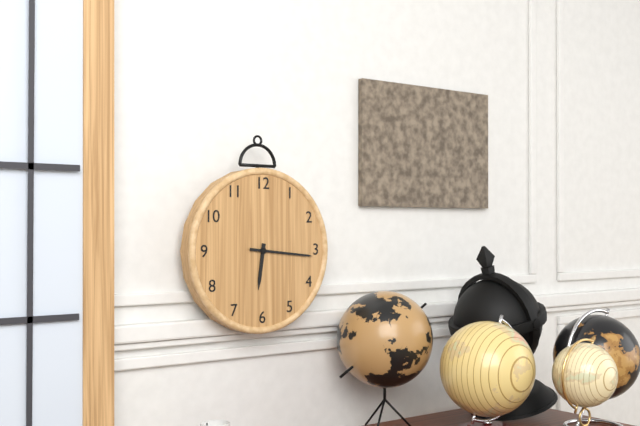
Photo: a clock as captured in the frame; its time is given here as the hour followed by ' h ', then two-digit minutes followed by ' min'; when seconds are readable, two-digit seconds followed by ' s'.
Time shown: 6 h 16 min
